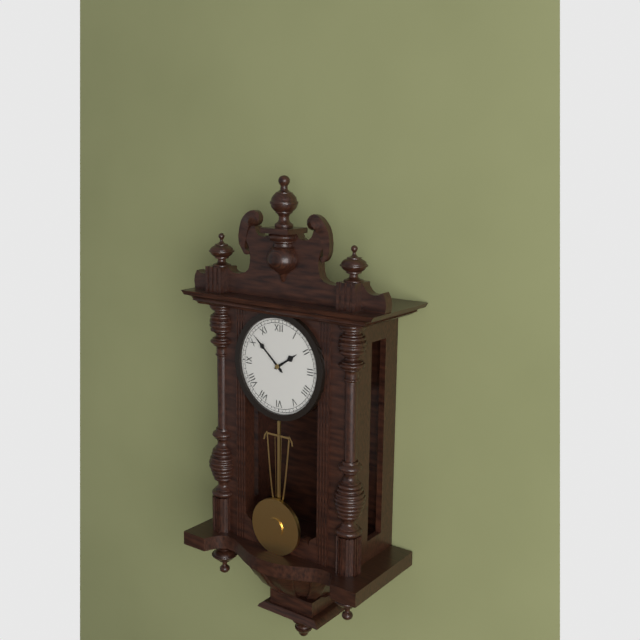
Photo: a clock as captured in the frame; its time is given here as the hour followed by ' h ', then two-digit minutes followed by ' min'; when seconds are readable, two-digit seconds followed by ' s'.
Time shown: 1 h 52 min
